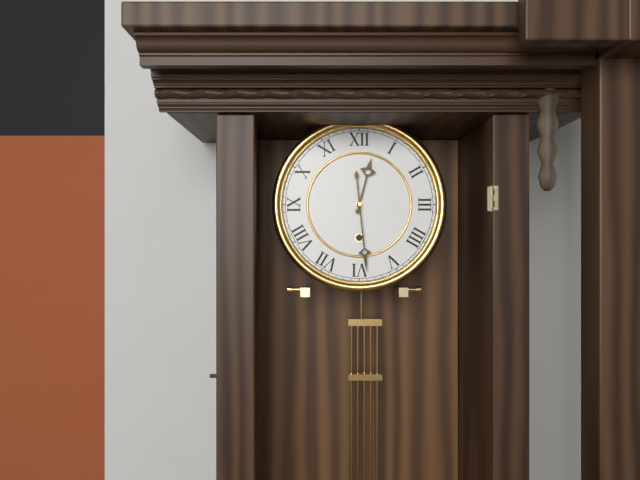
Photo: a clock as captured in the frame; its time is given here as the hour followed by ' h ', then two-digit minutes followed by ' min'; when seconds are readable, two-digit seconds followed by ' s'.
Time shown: 12 h 29 min
